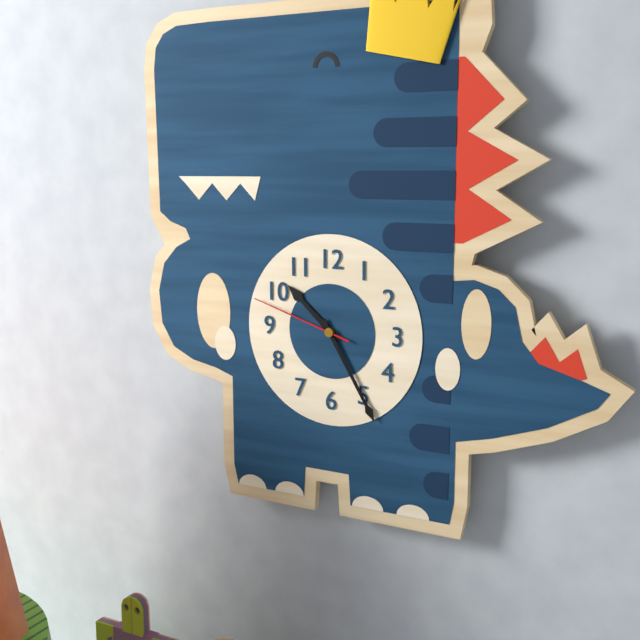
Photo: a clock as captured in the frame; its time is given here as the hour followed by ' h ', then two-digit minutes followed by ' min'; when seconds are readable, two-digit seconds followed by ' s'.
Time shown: 10 h 25 min 48 s
